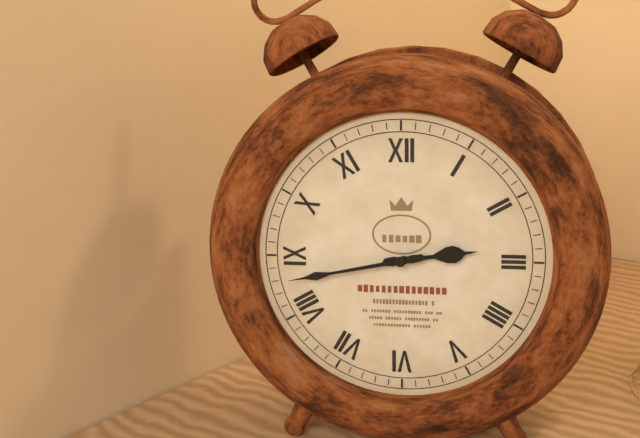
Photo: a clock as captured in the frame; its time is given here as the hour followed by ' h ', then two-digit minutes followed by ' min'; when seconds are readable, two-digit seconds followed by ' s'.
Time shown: 2 h 43 min
